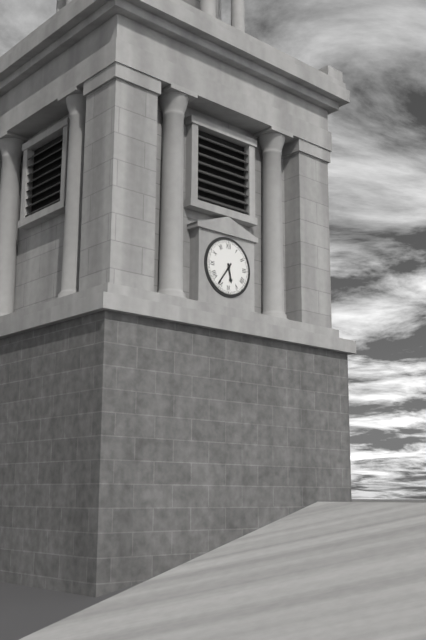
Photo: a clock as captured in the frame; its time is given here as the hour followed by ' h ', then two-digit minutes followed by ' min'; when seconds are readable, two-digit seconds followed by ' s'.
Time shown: 5 h 36 min
